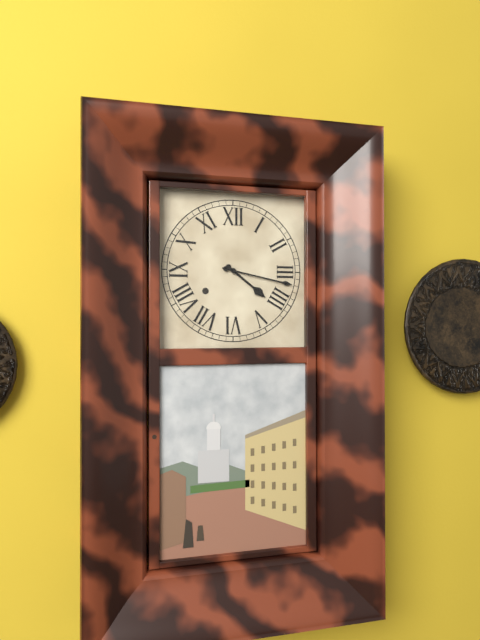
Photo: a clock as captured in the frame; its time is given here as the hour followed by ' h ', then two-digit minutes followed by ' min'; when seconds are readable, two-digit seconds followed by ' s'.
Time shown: 4 h 17 min
